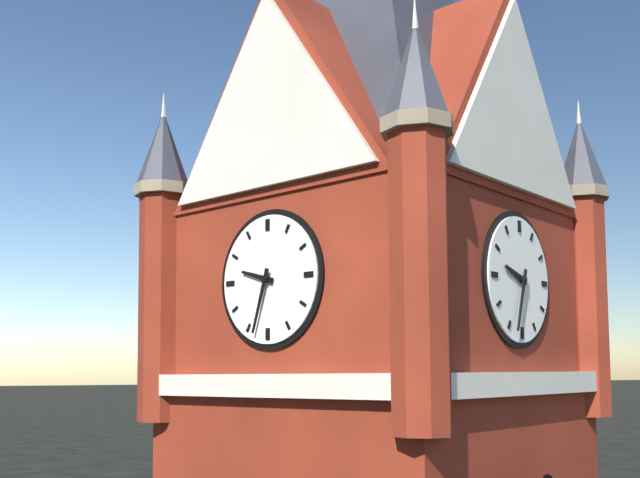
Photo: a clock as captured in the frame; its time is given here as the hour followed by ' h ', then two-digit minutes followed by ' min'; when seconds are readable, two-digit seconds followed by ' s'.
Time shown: 9 h 33 min
